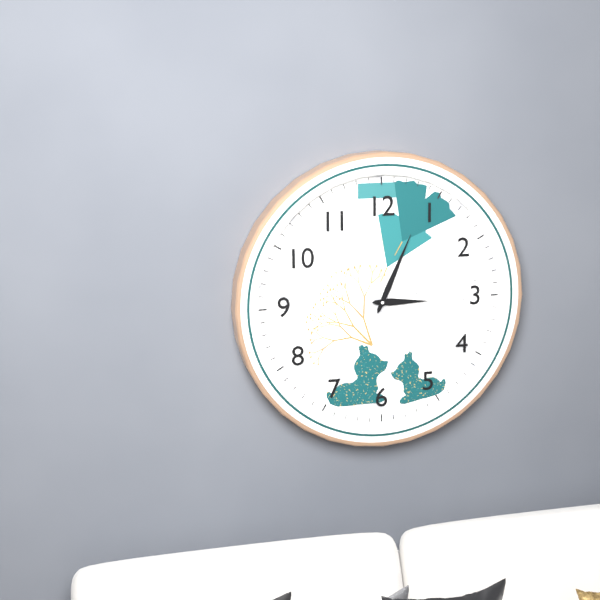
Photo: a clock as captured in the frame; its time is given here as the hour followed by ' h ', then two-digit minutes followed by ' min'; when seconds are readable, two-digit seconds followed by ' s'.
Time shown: 3 h 04 min
